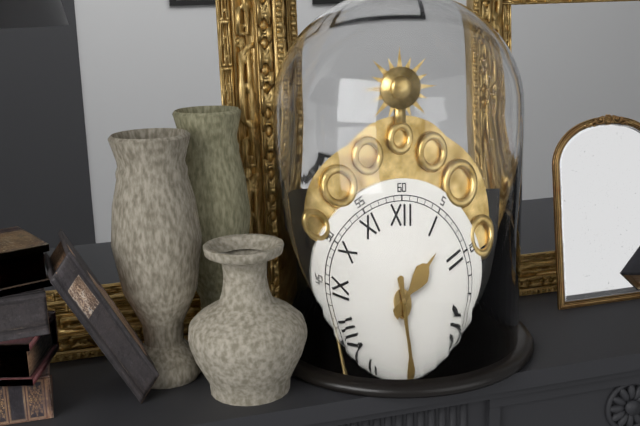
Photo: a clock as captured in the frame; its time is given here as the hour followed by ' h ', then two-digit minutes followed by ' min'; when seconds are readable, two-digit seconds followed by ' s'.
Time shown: 1 h 28 min
